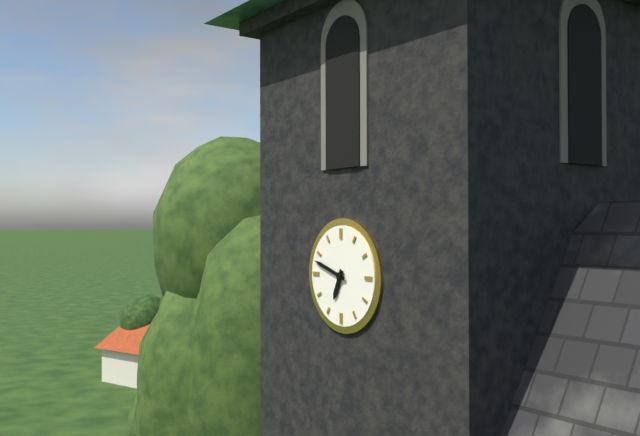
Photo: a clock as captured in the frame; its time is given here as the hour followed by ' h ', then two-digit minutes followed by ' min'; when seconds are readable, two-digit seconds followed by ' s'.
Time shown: 6 h 48 min
